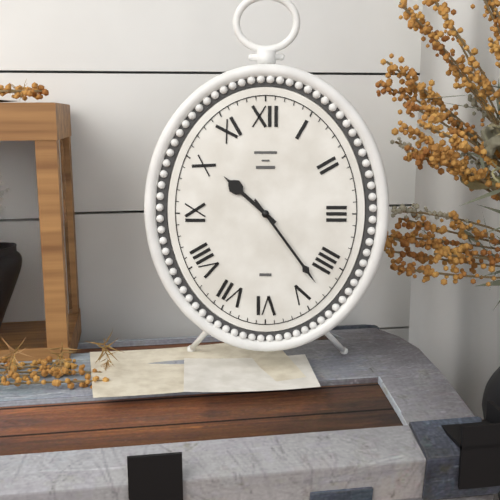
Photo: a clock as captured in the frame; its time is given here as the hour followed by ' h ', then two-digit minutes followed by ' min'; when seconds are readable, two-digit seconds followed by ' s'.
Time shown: 10 h 24 min
